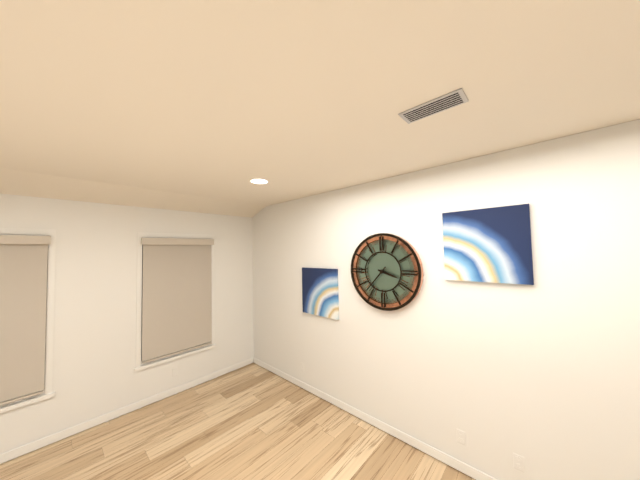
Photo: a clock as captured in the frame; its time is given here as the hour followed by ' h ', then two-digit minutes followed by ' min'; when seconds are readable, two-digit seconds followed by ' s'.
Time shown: 3 h 37 min
